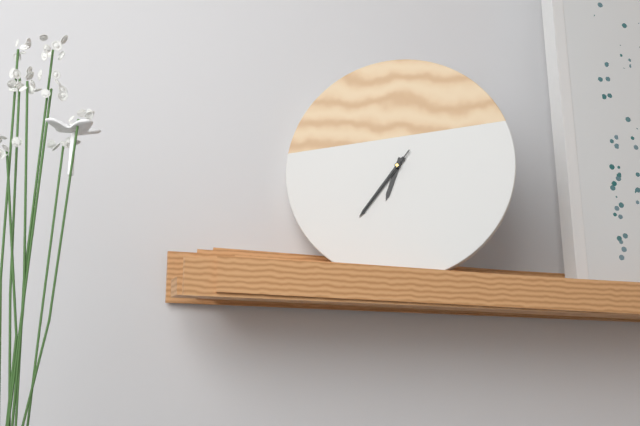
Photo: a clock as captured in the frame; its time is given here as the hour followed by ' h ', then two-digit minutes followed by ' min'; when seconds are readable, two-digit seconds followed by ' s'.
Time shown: 6 h 36 min 36 s
